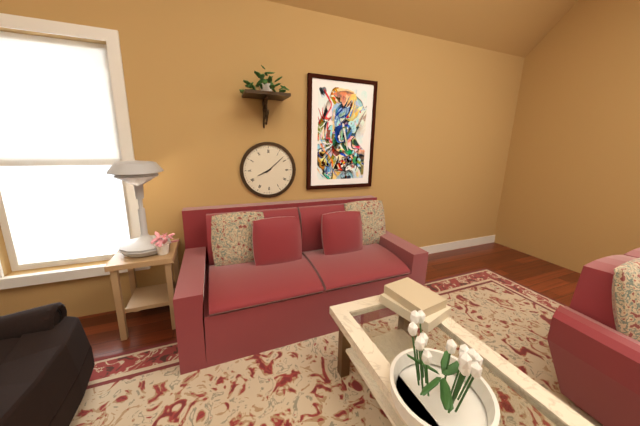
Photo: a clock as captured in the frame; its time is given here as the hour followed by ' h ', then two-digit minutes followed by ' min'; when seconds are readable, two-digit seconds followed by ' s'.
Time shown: 8 h 08 min
